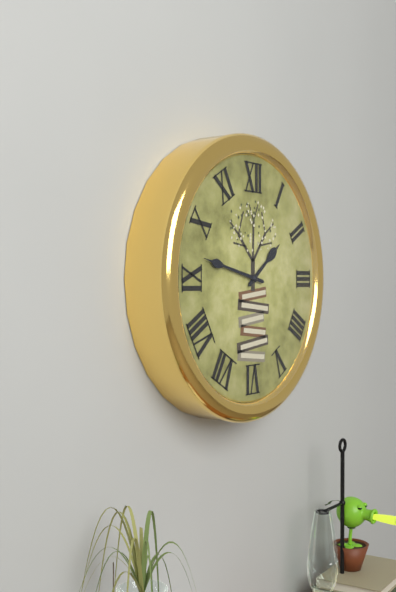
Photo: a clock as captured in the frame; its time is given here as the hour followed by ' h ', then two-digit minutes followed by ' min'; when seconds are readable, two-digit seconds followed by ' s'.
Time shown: 1 h 47 min
